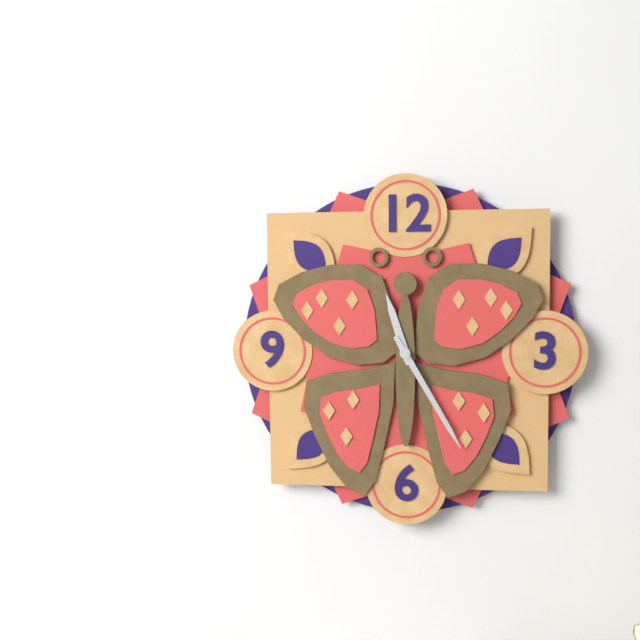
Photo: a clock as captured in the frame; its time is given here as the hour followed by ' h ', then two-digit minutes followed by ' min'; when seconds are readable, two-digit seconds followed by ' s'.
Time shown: 11 h 25 min
